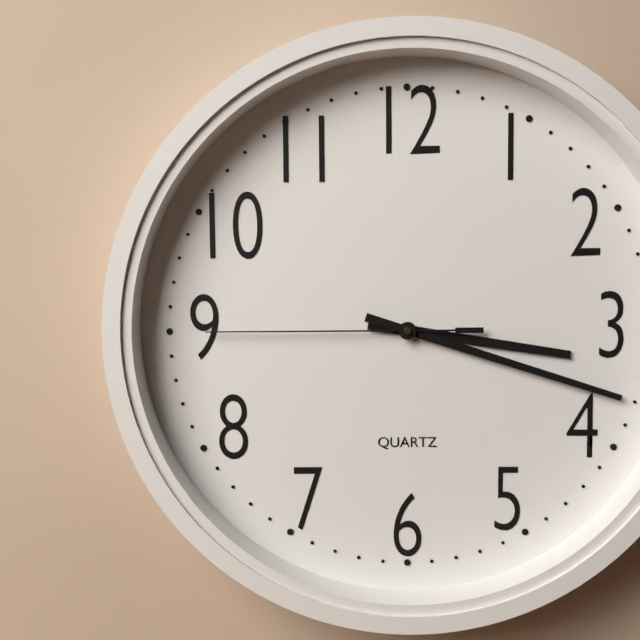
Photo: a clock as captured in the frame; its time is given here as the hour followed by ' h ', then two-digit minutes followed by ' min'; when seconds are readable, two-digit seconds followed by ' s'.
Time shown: 3 h 18 min 45 s
